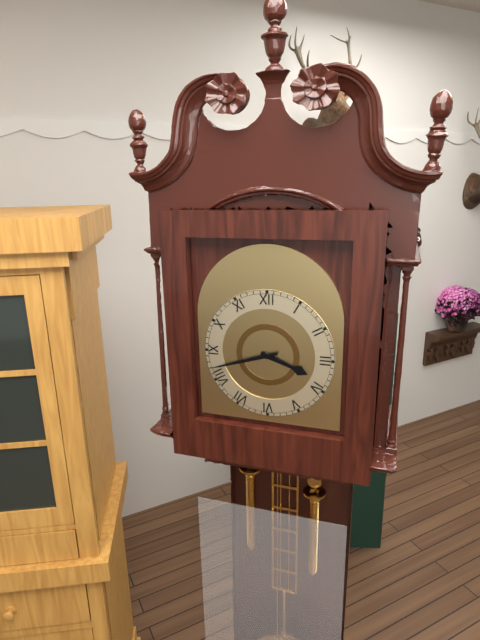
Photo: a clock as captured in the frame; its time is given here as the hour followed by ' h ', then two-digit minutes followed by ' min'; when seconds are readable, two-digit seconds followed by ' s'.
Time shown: 3 h 42 min
